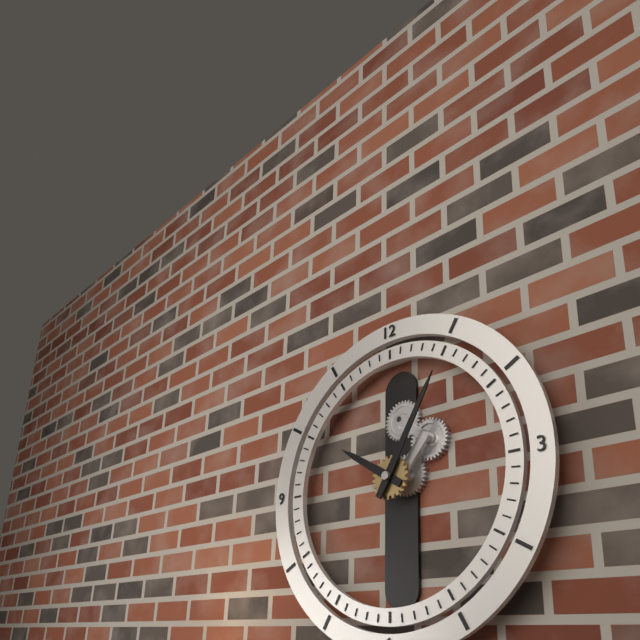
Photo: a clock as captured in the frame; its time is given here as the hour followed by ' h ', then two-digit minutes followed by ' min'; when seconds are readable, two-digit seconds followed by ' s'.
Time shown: 10 h 05 min
